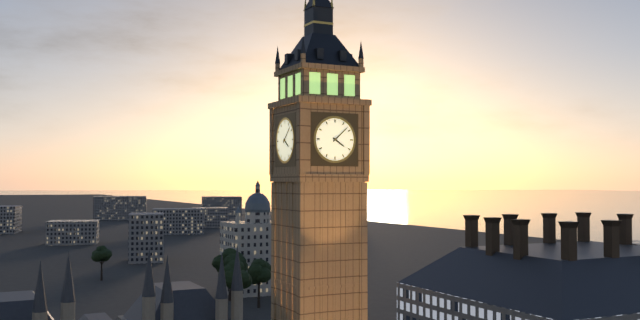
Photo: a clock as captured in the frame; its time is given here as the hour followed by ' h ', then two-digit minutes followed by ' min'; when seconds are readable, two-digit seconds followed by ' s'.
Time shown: 4 h 08 min
